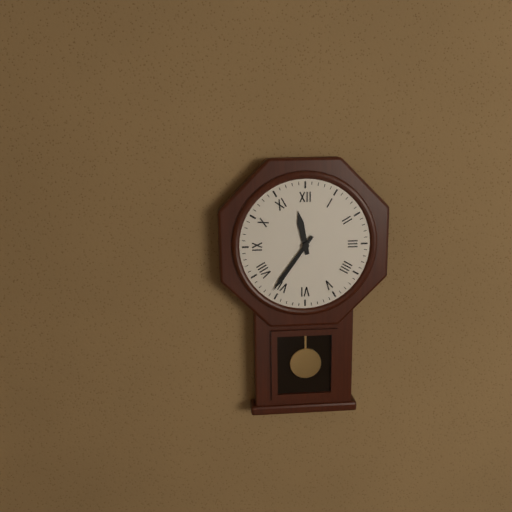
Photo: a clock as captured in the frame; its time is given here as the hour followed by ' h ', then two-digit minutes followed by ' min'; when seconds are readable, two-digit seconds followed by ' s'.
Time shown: 11 h 36 min
